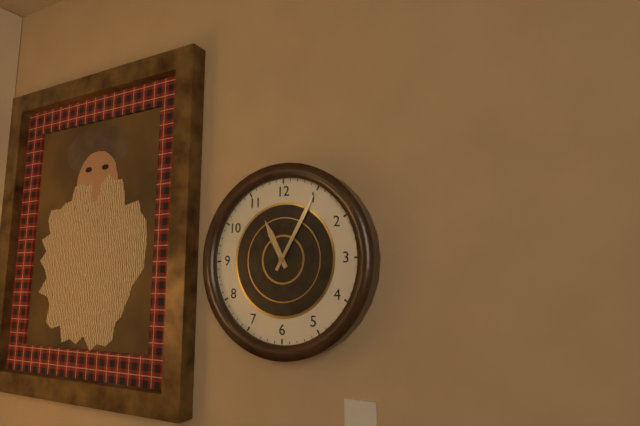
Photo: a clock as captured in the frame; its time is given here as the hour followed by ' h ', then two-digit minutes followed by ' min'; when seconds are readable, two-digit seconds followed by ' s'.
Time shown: 11 h 05 min
